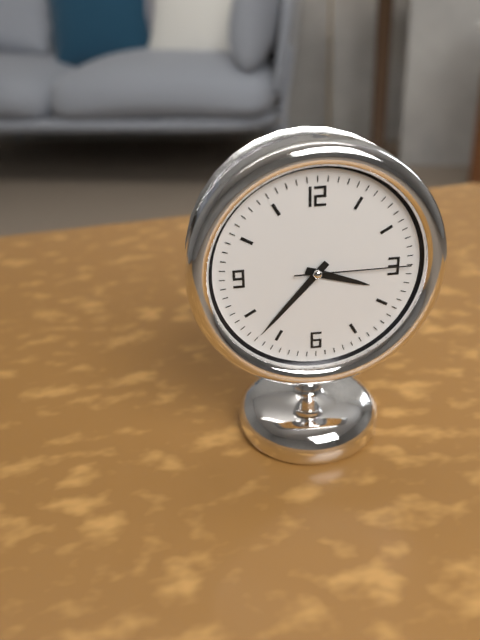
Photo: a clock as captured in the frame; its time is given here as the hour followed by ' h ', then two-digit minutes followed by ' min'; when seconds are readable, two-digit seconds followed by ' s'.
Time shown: 3 h 37 min 15 s
